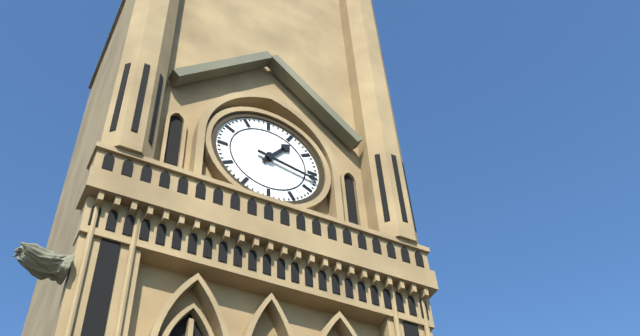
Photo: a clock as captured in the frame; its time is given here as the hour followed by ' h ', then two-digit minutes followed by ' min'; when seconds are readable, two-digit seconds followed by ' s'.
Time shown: 1 h 17 min
